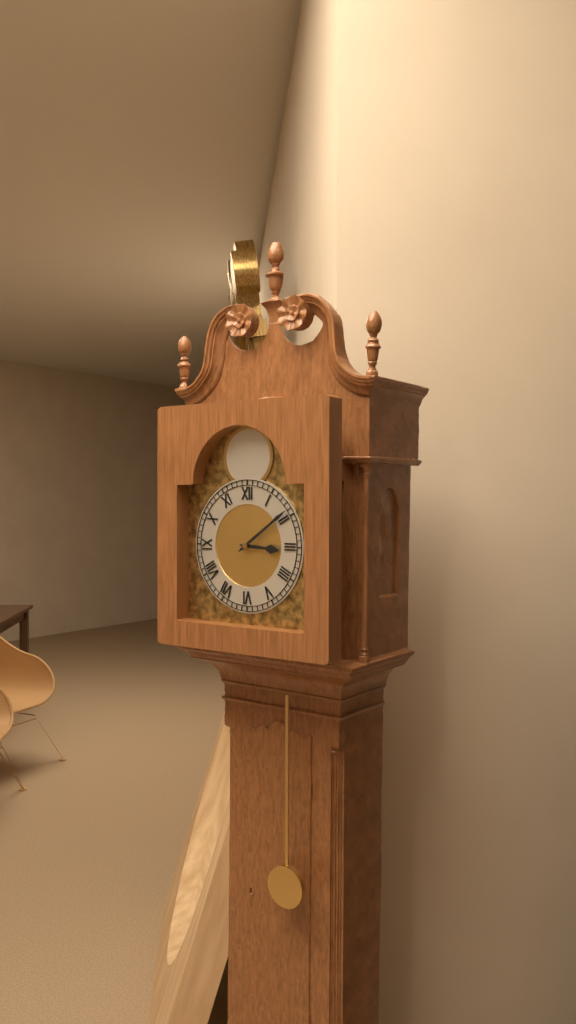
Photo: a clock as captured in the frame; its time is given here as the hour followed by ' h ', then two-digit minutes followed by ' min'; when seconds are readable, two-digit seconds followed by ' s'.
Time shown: 3 h 09 min
